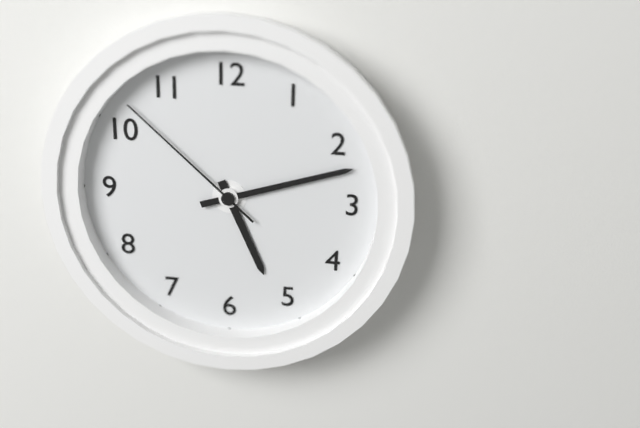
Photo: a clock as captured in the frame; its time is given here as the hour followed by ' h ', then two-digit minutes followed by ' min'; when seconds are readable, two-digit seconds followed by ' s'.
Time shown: 5 h 12 min 52 s
